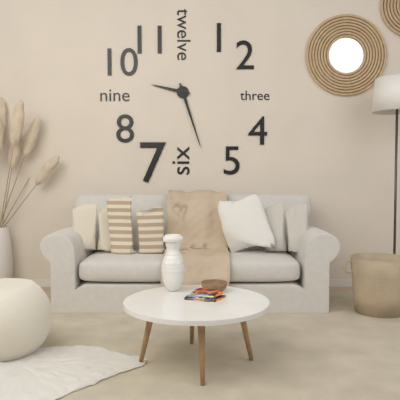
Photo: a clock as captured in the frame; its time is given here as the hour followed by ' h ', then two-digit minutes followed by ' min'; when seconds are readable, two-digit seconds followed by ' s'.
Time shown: 9 h 27 min
